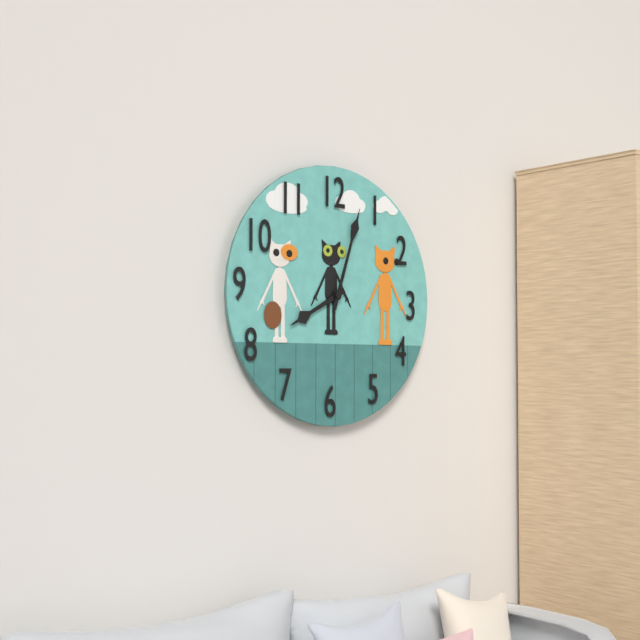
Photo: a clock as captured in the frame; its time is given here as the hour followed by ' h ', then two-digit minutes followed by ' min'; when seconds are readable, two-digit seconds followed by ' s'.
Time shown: 8 h 03 min
